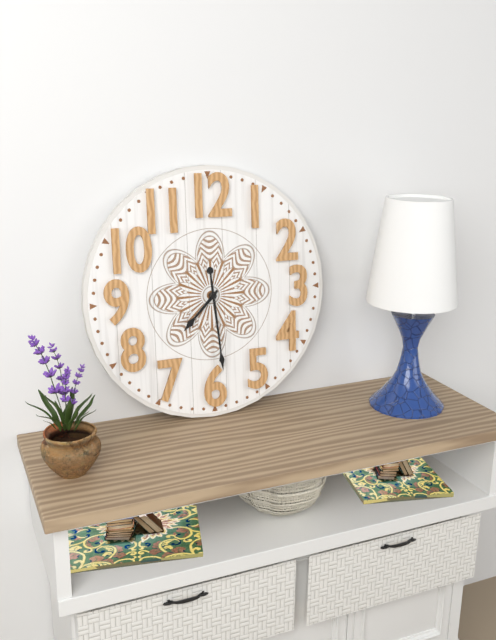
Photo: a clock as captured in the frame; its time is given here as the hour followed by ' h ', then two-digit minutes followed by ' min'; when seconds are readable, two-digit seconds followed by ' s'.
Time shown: 7 h 29 min
